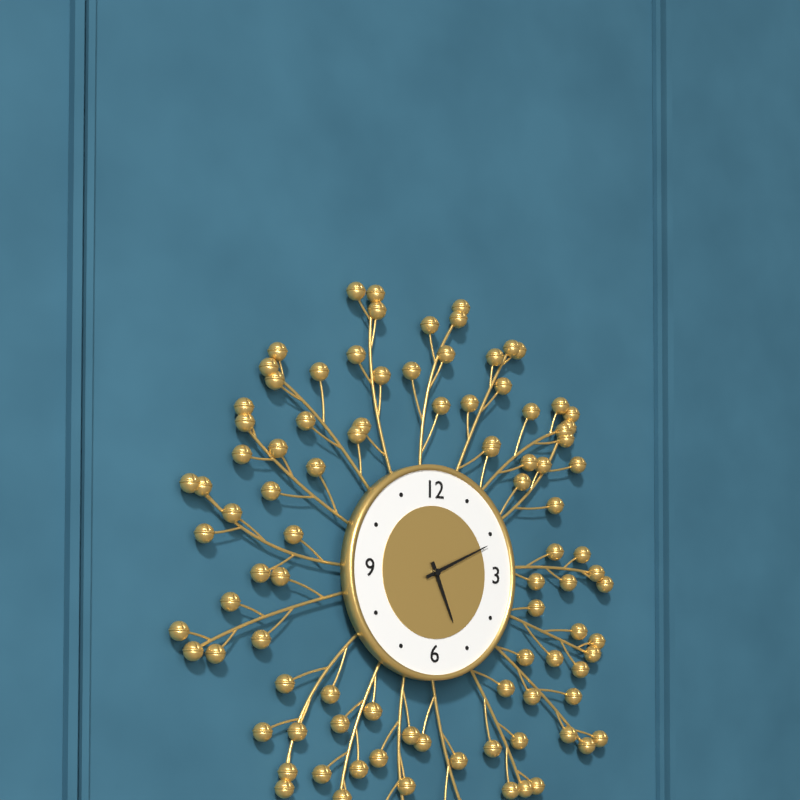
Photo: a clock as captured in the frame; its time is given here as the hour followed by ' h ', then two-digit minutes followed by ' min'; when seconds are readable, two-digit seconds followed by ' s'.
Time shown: 5 h 11 min
